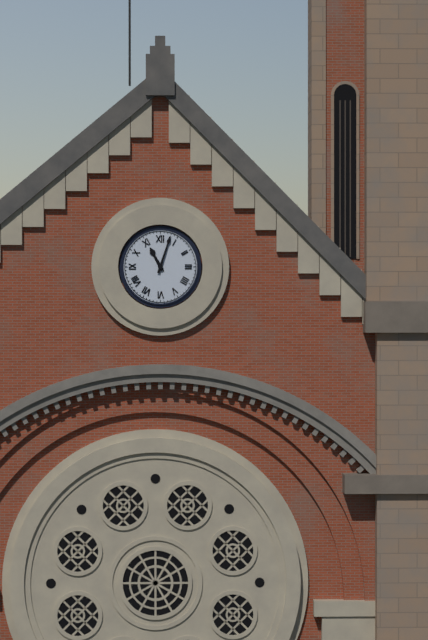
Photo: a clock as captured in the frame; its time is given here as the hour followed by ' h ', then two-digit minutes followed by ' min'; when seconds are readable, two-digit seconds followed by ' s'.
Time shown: 11 h 03 min
